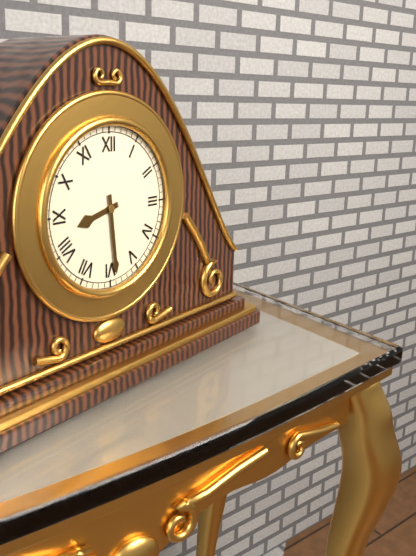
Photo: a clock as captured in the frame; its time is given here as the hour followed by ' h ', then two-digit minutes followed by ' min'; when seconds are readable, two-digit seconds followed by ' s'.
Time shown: 8 h 29 min
